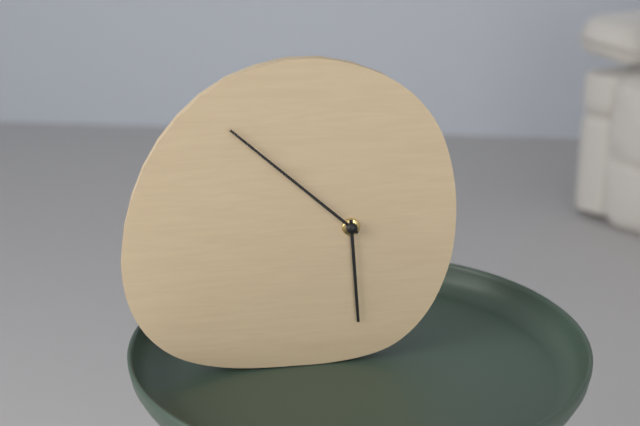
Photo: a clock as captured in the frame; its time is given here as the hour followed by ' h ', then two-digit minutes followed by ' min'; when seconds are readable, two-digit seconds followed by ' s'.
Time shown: 5 h 52 min
